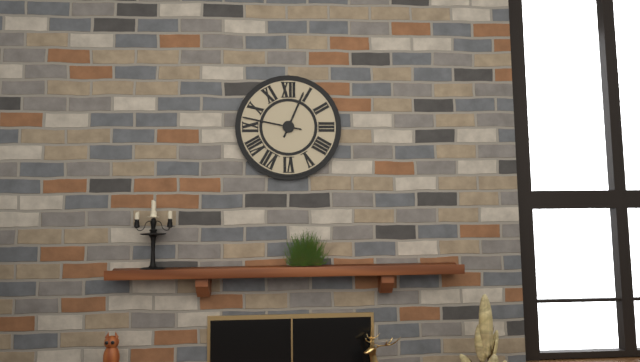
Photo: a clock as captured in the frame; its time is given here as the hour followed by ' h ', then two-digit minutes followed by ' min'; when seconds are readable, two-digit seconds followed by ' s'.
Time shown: 12 h 47 min
